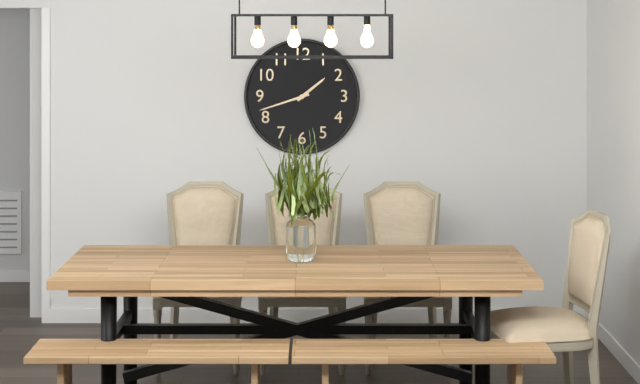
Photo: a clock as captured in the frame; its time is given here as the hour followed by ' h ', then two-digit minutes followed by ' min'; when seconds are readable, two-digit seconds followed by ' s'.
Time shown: 1 h 42 min
